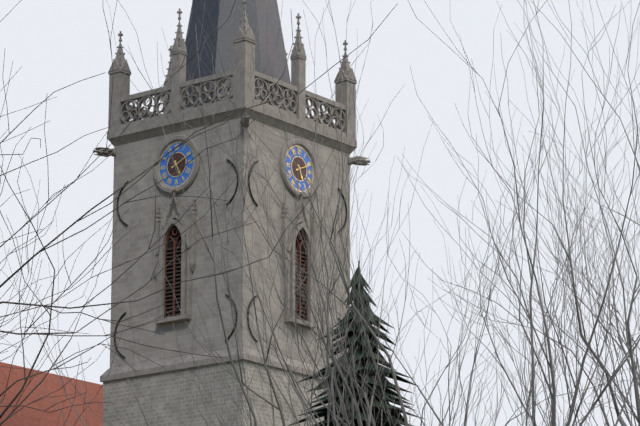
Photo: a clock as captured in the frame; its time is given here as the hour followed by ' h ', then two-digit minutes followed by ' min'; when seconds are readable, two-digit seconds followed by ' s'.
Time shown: 5 h 11 min
